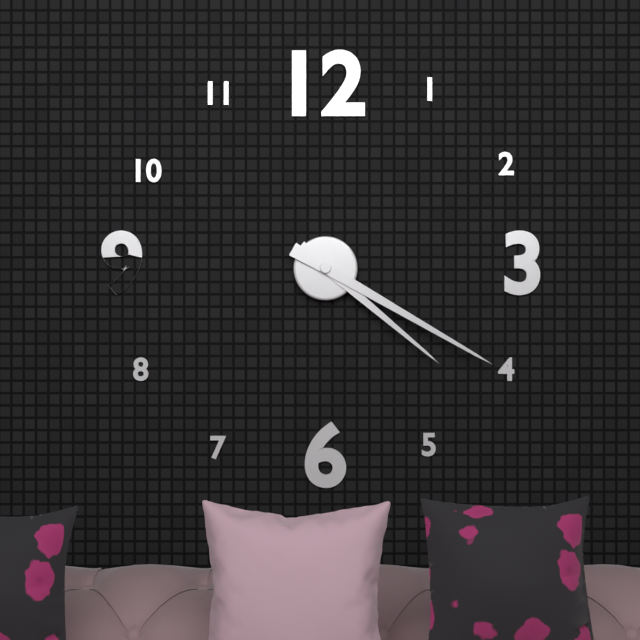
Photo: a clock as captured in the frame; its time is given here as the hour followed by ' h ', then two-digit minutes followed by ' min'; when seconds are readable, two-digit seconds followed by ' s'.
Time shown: 4 h 20 min
